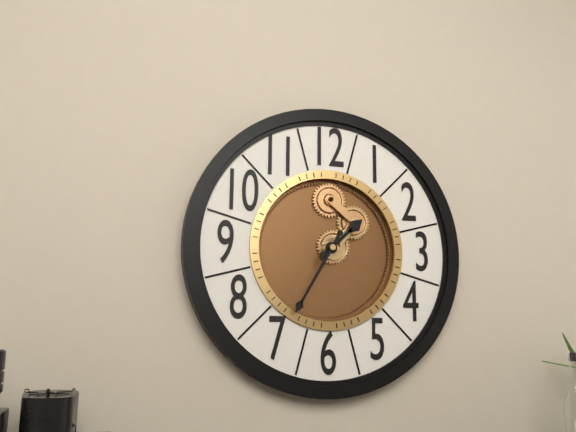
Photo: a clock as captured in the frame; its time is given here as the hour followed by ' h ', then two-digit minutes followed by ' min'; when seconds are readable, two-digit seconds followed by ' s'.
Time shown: 1 h 35 min
